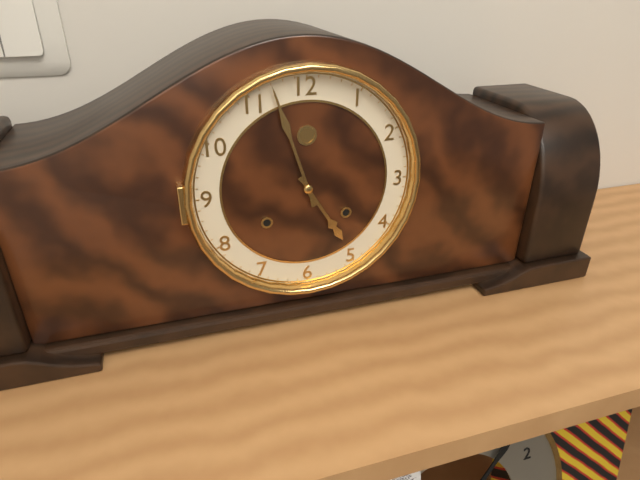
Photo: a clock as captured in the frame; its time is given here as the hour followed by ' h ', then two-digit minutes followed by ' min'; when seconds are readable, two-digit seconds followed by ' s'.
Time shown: 4 h 57 min
